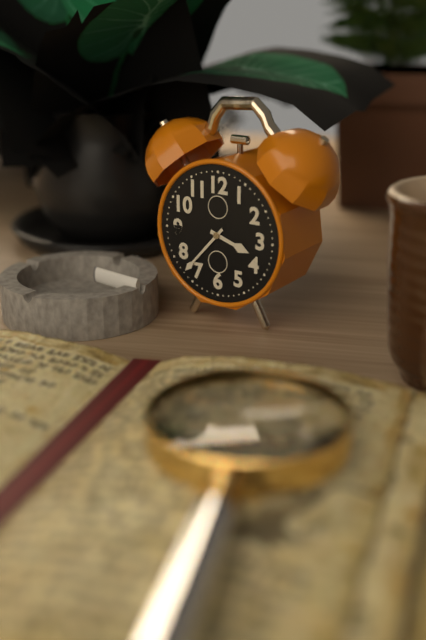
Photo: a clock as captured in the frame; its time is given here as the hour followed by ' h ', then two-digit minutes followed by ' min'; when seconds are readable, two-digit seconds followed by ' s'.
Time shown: 3 h 37 min
